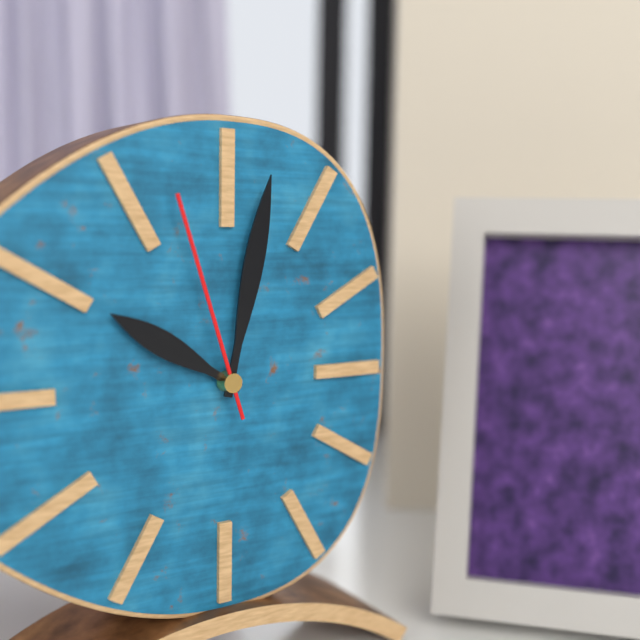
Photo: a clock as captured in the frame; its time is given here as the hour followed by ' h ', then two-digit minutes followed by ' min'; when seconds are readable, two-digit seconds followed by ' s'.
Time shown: 10 h 02 min 57 s
